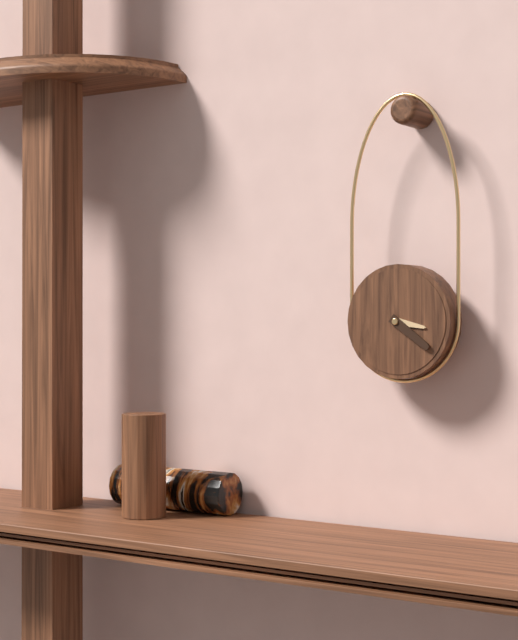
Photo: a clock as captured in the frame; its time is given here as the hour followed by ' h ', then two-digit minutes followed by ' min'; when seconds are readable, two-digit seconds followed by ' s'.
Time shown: 3 h 21 min
